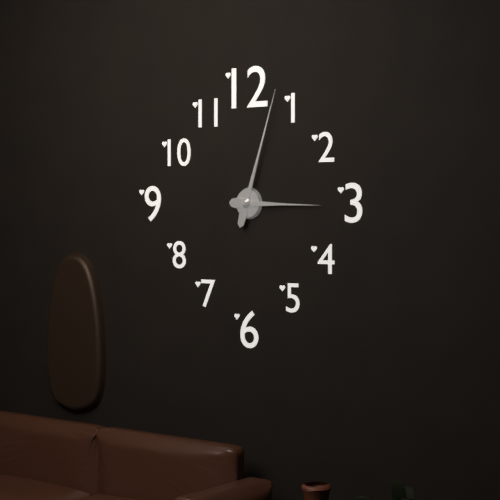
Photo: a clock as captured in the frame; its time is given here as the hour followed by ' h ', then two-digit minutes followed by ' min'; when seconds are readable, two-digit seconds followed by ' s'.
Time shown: 3 h 03 min
